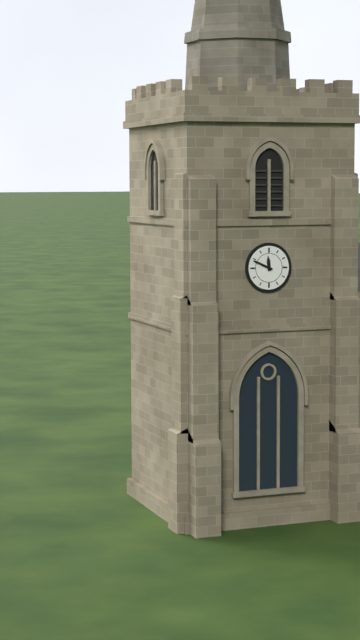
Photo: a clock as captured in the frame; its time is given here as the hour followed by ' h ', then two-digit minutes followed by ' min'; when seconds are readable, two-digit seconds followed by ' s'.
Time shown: 11 h 49 min
